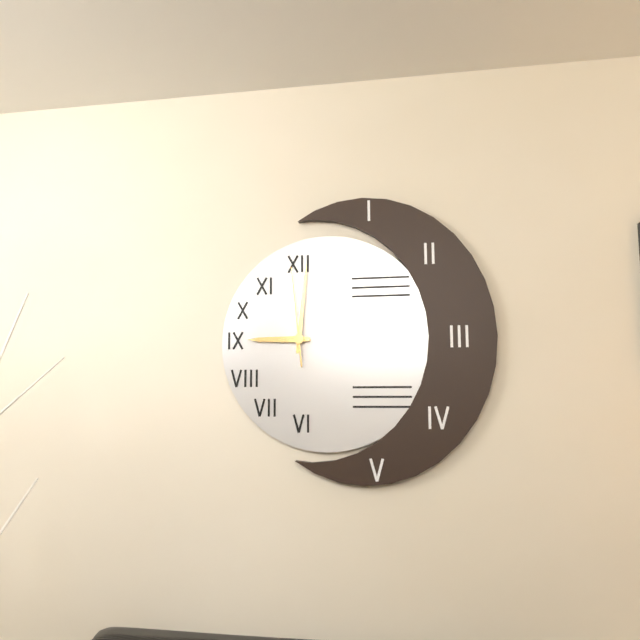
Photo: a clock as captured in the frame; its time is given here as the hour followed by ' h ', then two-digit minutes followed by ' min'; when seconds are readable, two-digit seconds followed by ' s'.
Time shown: 9 h 01 min 59 s
